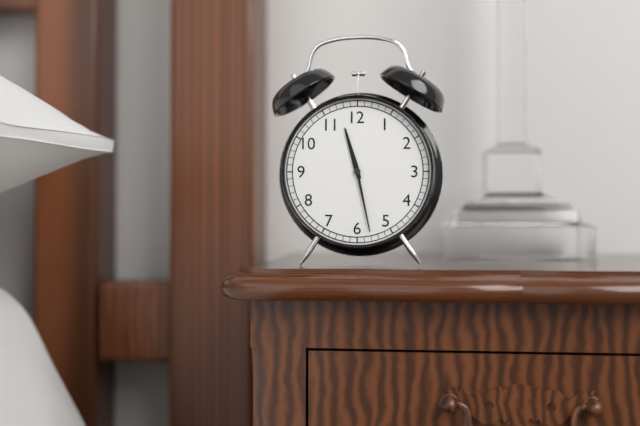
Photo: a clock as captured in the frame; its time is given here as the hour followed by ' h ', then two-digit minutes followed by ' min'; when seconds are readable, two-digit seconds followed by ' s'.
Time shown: 11 h 28 min
